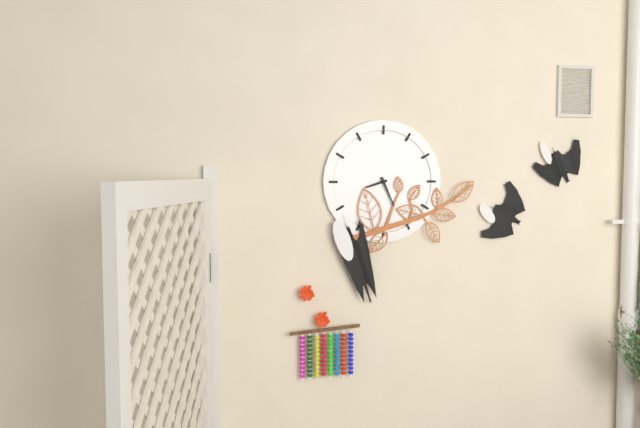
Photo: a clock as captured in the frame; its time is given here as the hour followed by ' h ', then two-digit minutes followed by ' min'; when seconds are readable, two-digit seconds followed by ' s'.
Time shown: 8 h 26 min
